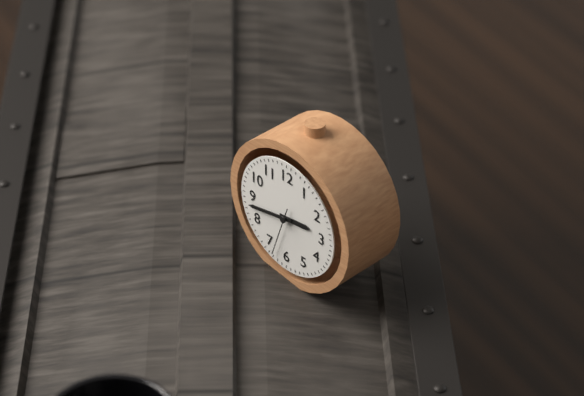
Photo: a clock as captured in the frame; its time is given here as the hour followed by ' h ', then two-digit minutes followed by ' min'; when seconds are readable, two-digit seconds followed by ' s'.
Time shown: 2 h 43 min
